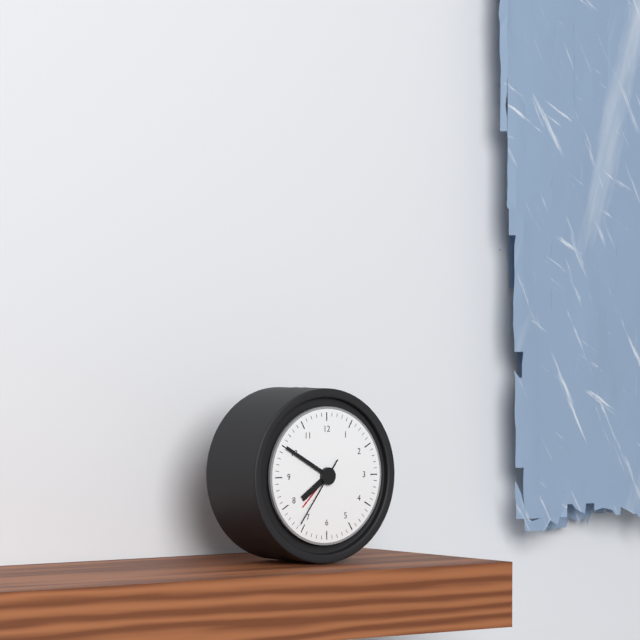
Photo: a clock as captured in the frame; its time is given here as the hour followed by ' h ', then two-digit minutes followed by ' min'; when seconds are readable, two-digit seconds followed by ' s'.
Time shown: 7 h 50 min 36 s
